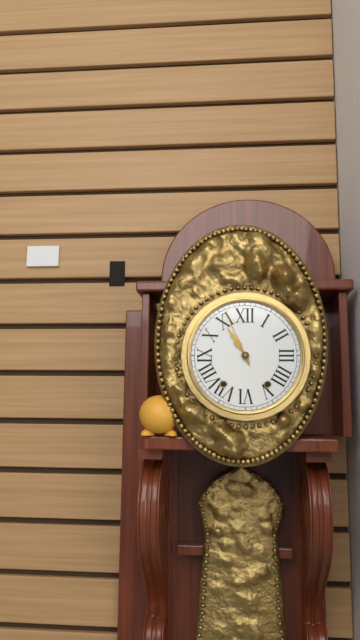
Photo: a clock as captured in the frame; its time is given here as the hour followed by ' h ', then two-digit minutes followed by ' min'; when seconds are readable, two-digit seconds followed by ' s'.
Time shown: 10 h 56 min
